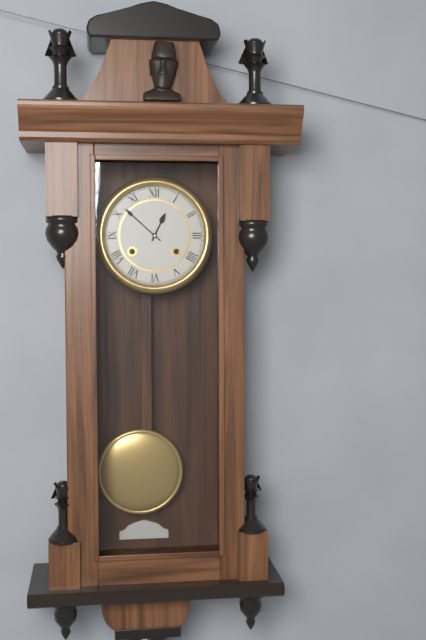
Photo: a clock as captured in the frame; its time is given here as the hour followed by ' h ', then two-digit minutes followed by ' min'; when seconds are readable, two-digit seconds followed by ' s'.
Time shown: 12 h 52 min
